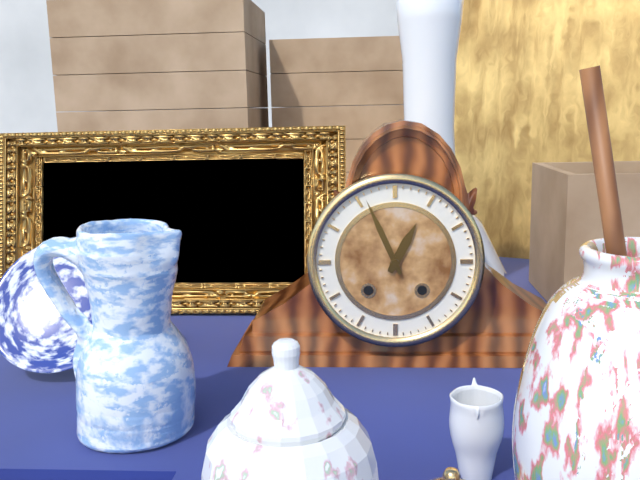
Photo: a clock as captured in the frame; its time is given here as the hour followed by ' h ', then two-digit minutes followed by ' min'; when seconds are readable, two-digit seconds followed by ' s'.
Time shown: 12 h 56 min
